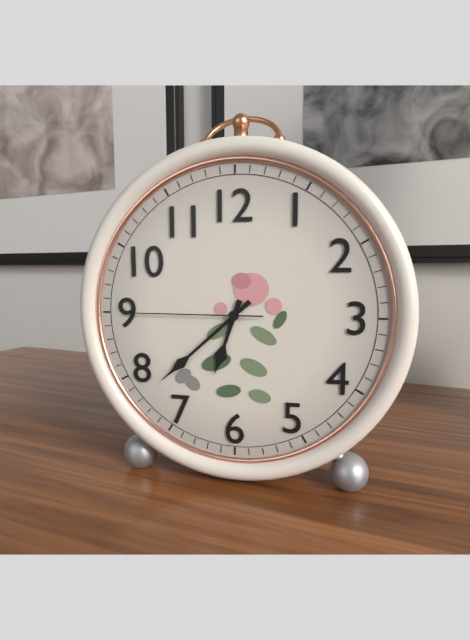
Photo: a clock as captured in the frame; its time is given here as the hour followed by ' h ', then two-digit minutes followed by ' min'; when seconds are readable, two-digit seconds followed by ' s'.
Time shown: 6 h 38 min 45 s
